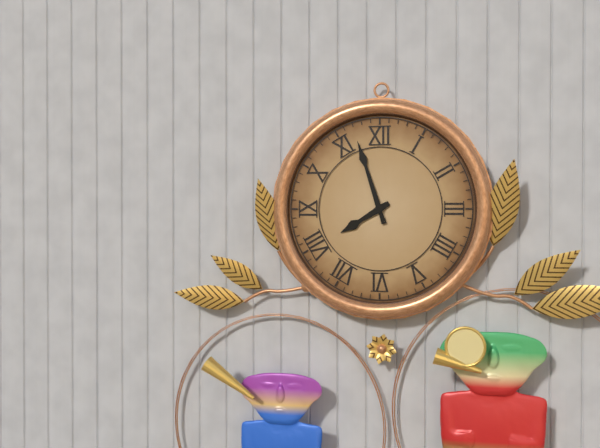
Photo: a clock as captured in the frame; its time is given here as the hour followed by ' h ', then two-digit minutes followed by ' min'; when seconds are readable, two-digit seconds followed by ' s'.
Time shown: 7 h 57 min
